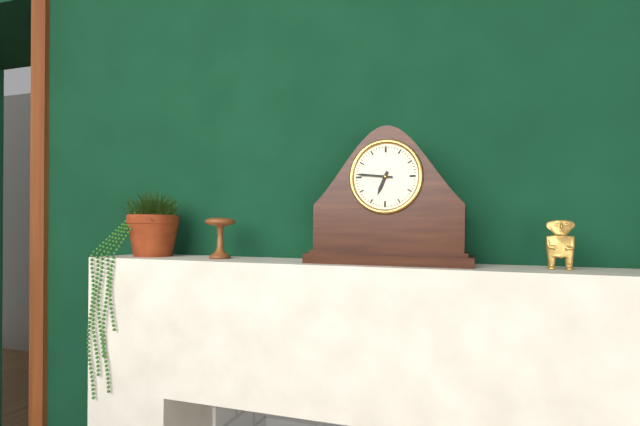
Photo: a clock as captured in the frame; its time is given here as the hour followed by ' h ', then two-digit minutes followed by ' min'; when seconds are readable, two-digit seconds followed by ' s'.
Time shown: 6 h 46 min
